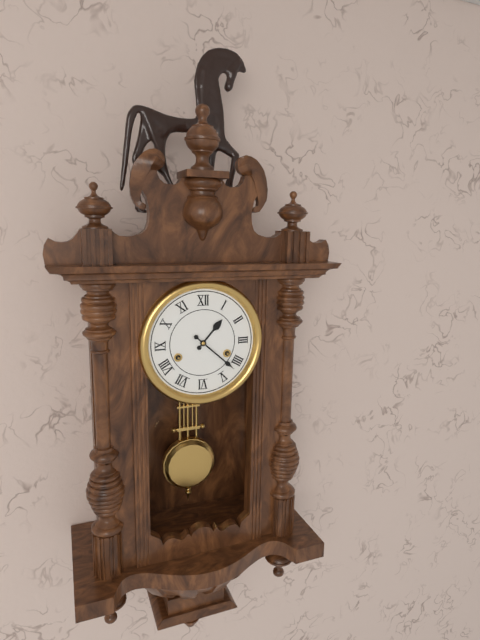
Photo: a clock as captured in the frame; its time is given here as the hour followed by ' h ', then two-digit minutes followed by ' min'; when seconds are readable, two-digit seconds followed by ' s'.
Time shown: 1 h 22 min
